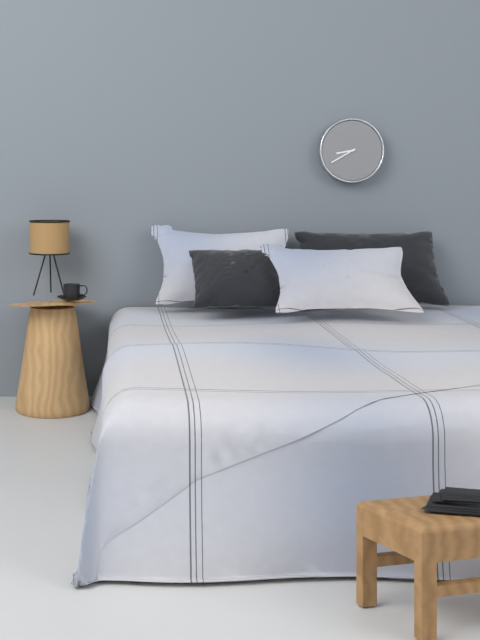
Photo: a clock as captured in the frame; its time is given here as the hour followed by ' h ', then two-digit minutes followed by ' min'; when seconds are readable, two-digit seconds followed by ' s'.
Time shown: 8 h 40 min
